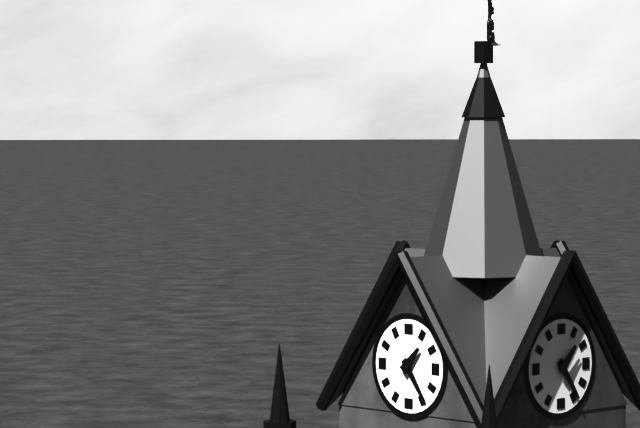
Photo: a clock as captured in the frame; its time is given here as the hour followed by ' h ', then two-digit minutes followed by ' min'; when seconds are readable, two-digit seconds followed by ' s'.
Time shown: 1 h 24 min
